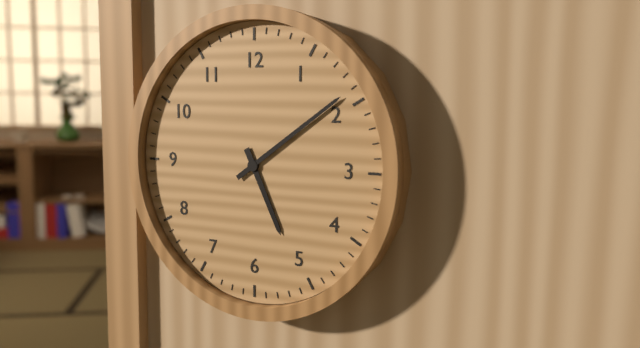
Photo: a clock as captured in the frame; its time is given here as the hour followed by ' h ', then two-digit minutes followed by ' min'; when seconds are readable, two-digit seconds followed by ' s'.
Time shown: 5 h 09 min
